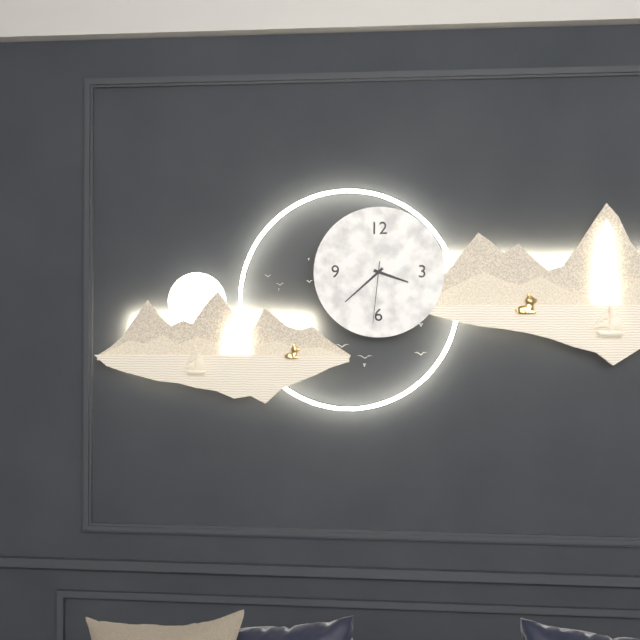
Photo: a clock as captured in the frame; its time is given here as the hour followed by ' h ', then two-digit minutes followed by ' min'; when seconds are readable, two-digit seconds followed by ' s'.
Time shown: 3 h 38 min 31 s
